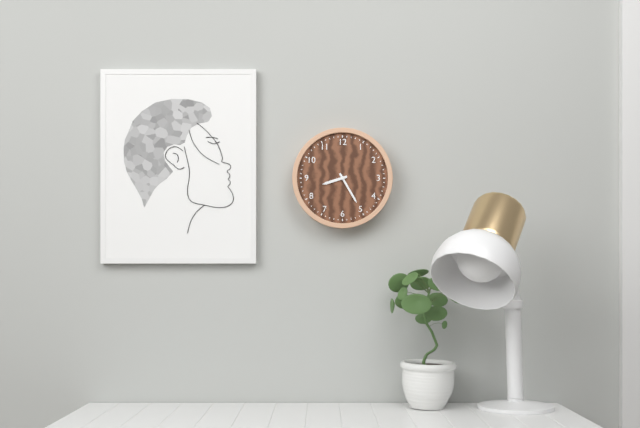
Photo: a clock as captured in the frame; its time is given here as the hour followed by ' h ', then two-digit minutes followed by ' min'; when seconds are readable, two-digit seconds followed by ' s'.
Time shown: 8 h 25 min
